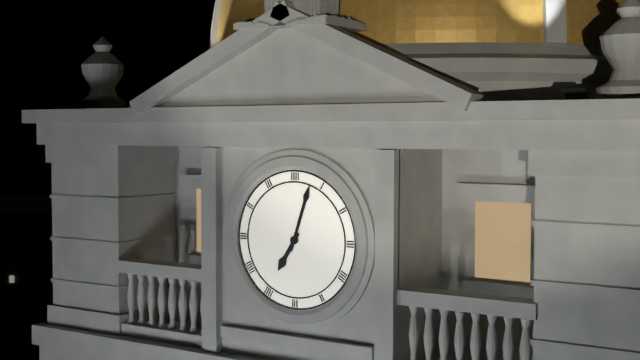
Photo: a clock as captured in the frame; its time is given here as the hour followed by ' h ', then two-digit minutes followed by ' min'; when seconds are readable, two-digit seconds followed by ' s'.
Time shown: 7 h 03 min
